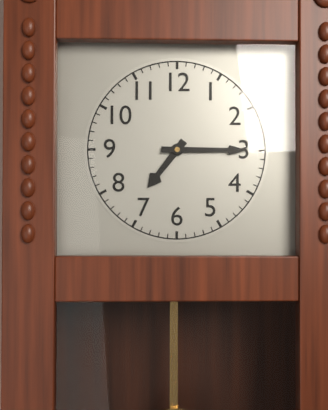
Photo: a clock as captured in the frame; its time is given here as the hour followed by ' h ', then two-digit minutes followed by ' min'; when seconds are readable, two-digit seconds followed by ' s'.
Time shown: 7 h 15 min
